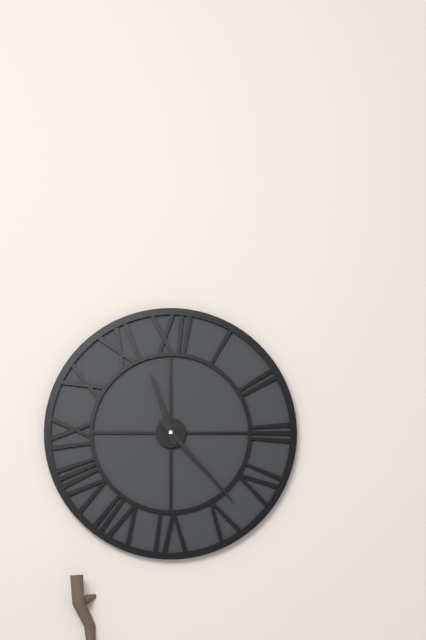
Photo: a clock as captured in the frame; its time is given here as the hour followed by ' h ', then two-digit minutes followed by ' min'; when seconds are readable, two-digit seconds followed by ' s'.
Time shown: 11 h 23 min
